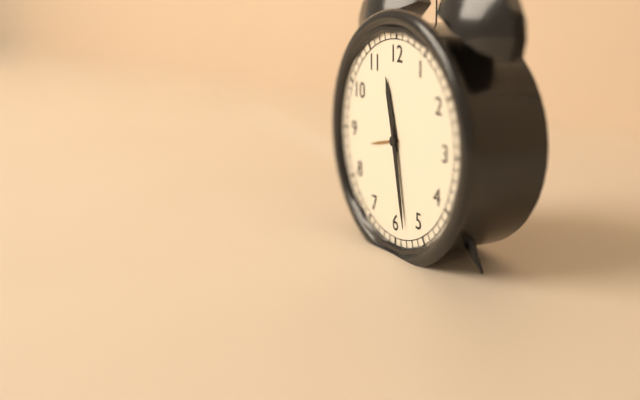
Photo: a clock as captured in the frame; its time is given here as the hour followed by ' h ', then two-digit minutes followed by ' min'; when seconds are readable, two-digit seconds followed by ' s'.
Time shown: 11 h 28 min
